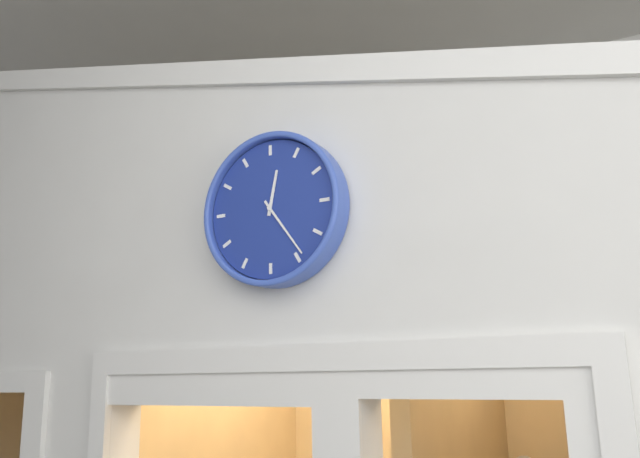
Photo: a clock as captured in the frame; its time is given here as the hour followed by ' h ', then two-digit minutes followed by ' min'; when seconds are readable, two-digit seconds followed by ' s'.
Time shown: 12 h 24 min
